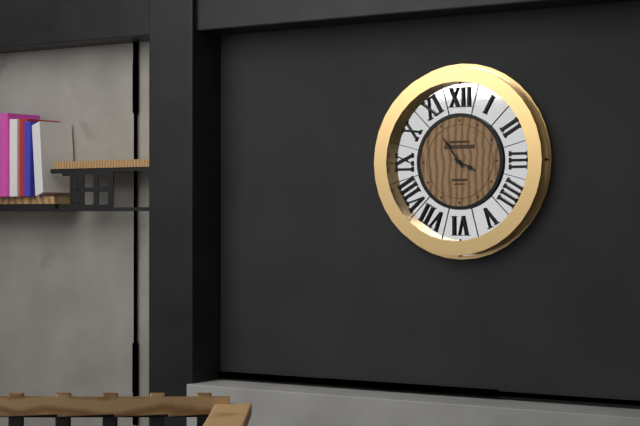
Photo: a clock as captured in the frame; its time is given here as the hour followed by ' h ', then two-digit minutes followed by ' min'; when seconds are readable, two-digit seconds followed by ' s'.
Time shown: 3 h 54 min
